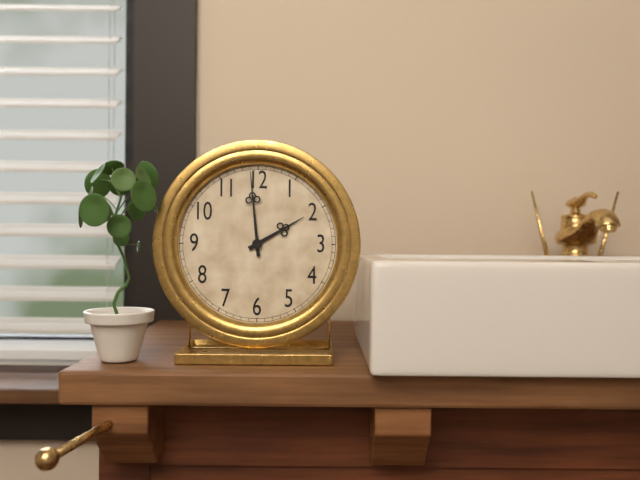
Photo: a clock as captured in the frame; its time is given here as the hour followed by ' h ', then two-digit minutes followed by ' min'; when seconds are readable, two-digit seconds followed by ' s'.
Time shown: 1 h 59 min
